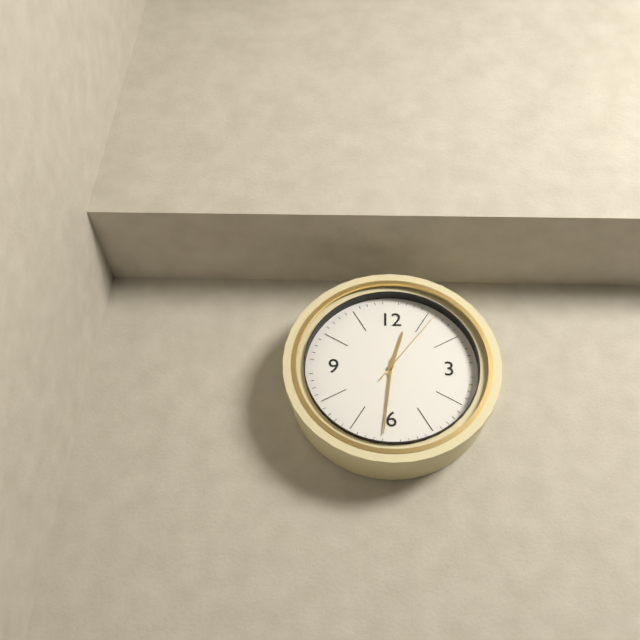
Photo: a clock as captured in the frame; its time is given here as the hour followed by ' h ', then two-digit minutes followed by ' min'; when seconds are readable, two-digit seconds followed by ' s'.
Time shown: 12 h 31 min 06 s
